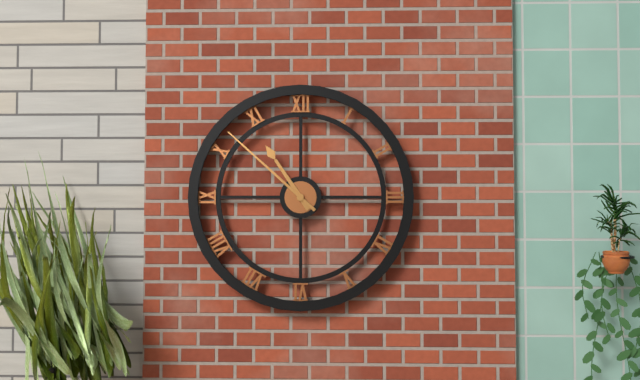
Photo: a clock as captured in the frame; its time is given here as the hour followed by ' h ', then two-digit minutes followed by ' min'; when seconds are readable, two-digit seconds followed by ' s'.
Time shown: 10 h 52 min
